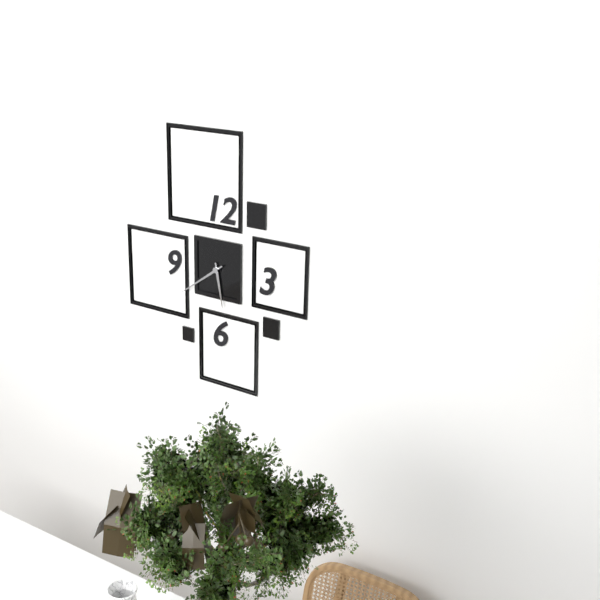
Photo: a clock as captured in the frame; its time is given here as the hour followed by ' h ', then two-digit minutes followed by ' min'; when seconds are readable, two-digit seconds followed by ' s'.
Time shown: 5 h 39 min
